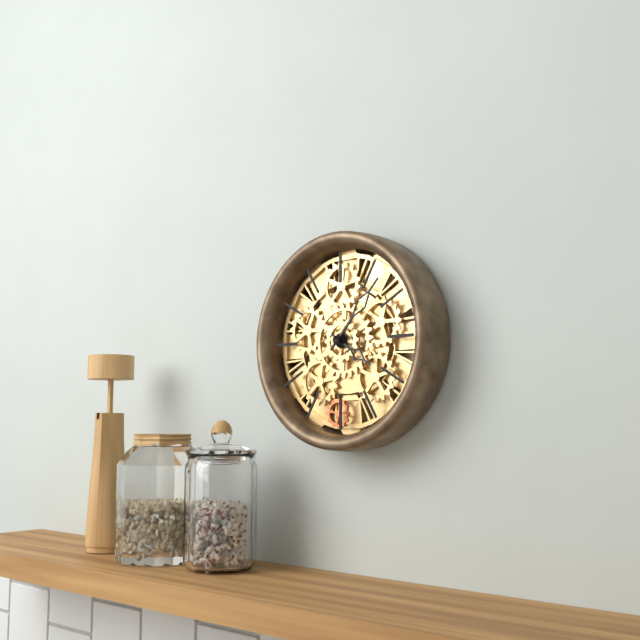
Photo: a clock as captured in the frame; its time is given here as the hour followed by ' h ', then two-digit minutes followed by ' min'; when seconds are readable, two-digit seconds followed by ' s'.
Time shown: 4 h 07 min
